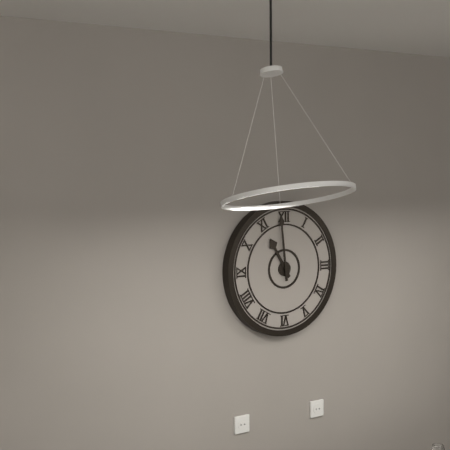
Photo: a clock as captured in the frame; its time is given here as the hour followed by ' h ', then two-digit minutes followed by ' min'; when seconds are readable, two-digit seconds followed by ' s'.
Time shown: 10 h 59 min
